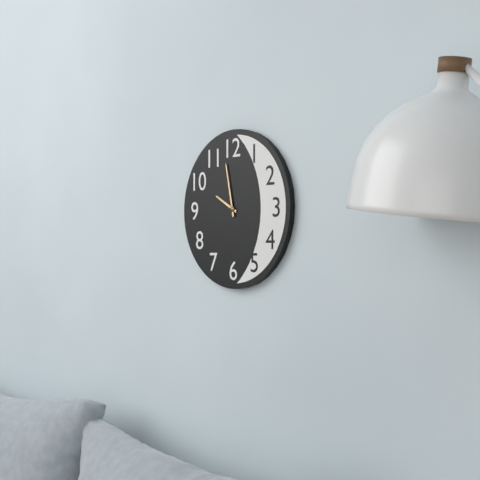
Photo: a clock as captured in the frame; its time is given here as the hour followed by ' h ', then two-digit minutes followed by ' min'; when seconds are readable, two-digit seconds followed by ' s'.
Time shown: 9 h 58 min
